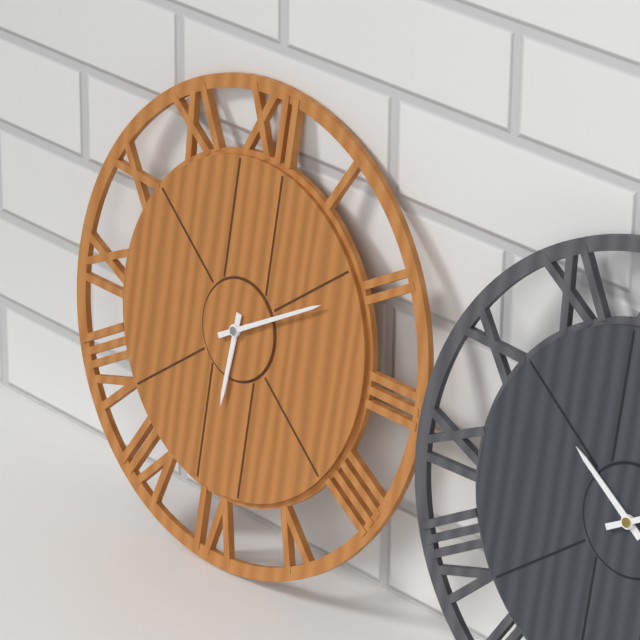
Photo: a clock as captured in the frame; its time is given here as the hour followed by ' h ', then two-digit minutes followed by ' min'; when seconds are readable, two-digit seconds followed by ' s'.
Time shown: 6 h 10 min
